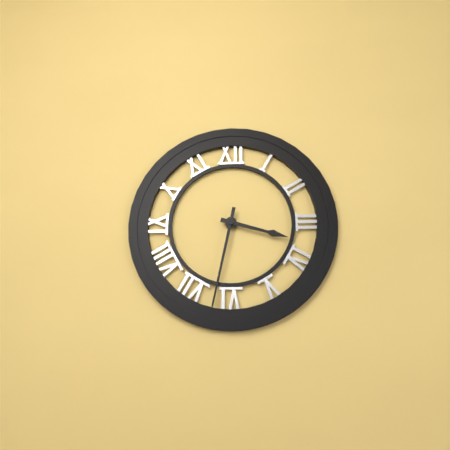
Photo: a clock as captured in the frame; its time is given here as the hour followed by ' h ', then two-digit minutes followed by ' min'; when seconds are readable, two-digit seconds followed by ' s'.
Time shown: 3 h 32 min
